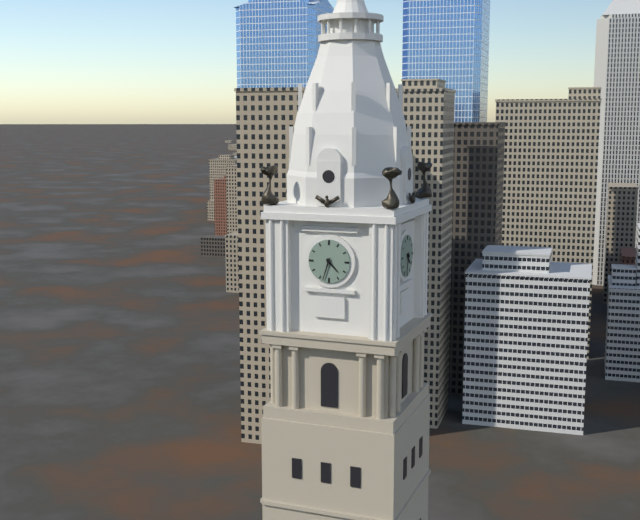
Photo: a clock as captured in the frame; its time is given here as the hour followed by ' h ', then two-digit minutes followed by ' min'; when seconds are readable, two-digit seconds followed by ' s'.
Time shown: 4 h 33 min
